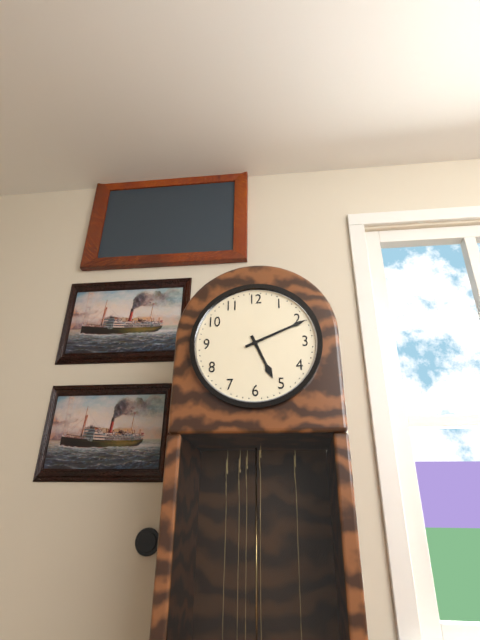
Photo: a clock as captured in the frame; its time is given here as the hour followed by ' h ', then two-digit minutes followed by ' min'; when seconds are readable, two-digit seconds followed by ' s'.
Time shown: 5 h 11 min
